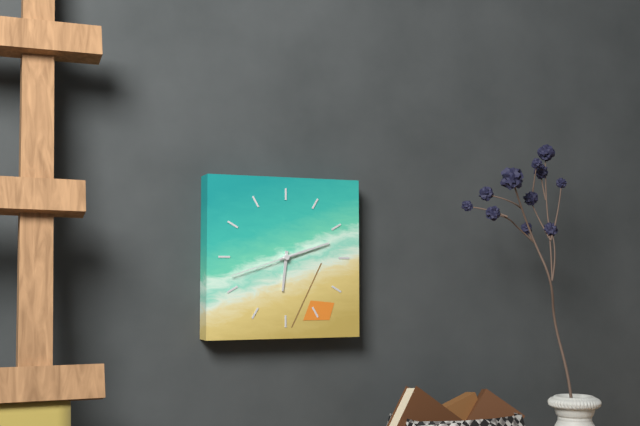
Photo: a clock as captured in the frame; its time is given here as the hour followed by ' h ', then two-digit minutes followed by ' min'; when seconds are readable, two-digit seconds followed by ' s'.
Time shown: 6 h 12 min 42 s
